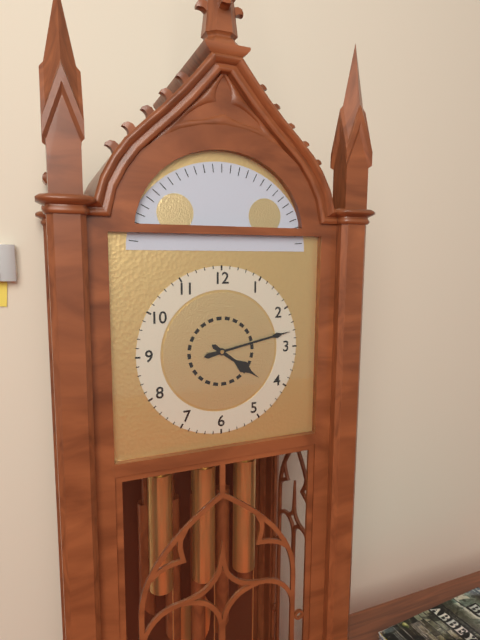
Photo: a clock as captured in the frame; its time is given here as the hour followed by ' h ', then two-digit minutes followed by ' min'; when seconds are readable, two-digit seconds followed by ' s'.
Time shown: 4 h 13 min
